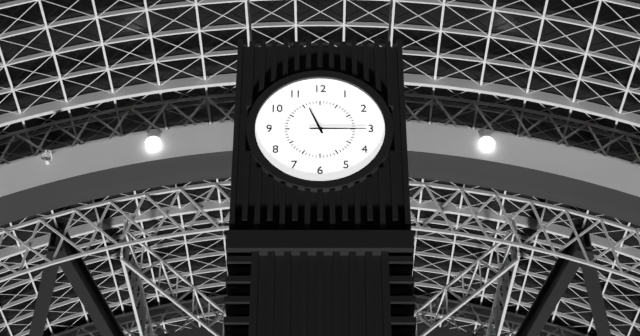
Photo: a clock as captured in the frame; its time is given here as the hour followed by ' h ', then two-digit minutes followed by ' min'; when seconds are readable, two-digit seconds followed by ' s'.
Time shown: 11 h 15 min
